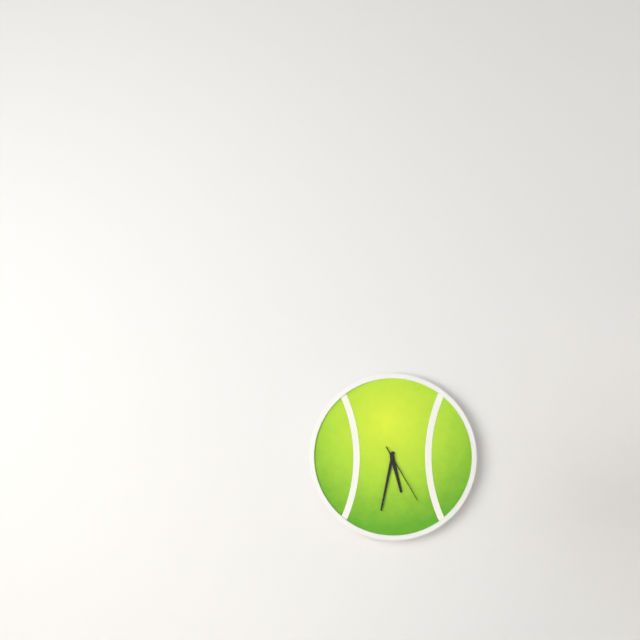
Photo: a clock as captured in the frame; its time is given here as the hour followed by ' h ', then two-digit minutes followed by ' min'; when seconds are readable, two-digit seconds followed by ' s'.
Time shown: 5 h 32 min 25 s
